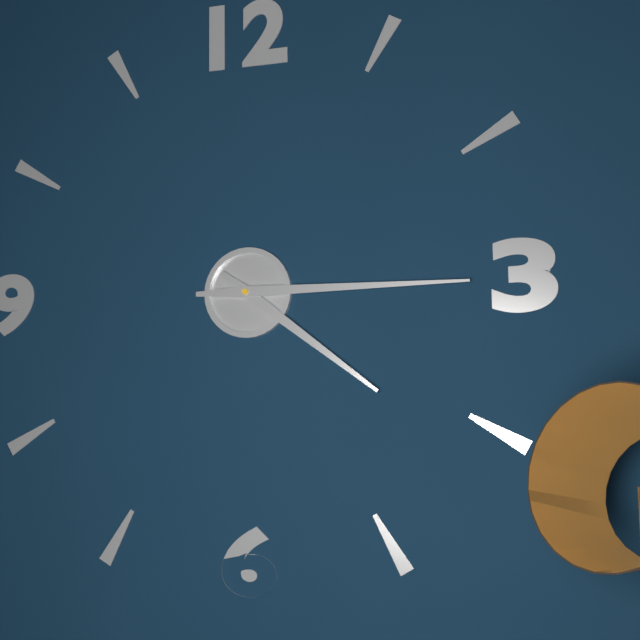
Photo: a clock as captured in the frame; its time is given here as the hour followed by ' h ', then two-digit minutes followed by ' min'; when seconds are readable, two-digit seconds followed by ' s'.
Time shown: 4 h 15 min
